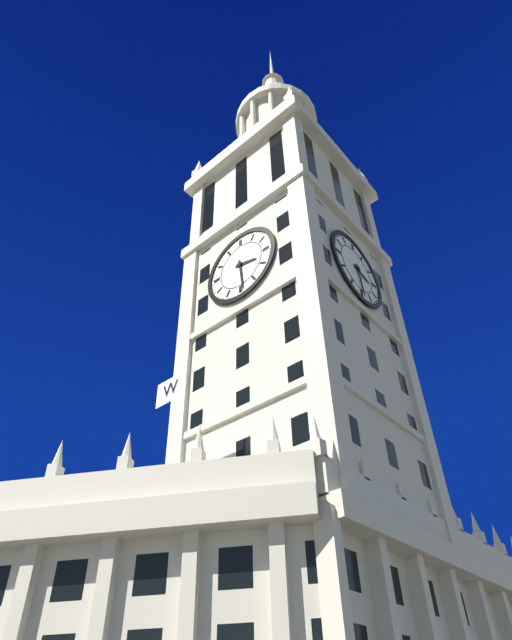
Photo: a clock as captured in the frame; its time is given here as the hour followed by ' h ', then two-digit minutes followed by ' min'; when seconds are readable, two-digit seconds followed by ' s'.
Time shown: 3 h 29 min
